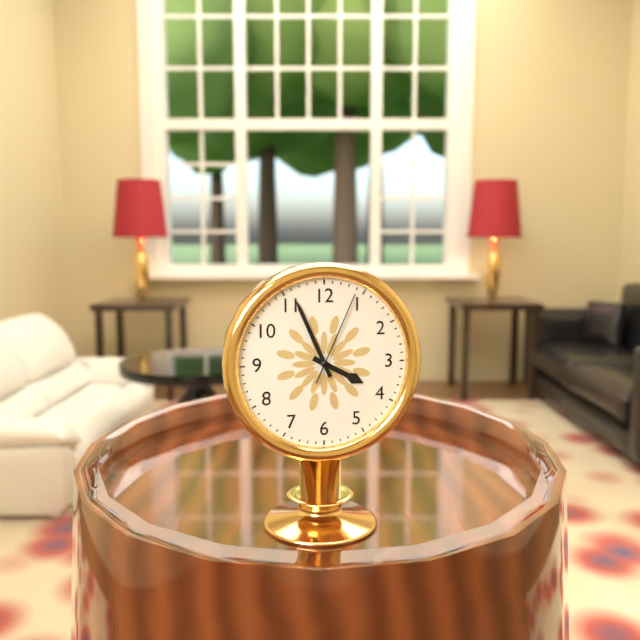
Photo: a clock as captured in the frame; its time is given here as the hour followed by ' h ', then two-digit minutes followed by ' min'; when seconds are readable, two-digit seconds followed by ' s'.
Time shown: 3 h 56 min 04 s
